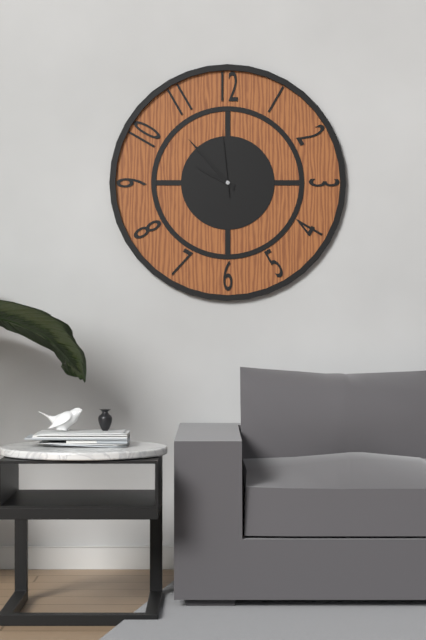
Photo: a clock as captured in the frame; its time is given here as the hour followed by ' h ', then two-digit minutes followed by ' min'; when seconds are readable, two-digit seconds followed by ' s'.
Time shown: 9 h 53 min 59 s
